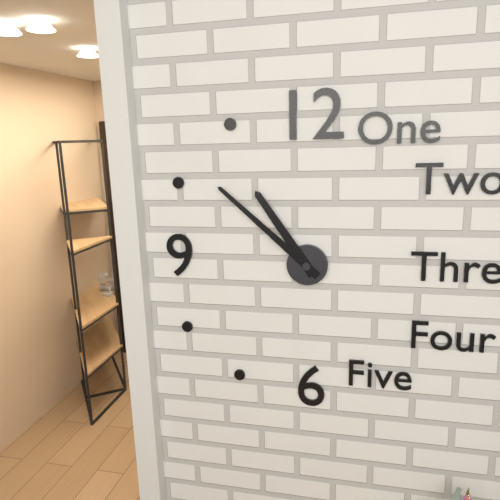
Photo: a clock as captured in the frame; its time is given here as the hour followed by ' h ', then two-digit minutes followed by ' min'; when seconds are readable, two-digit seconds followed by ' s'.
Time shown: 10 h 52 min
